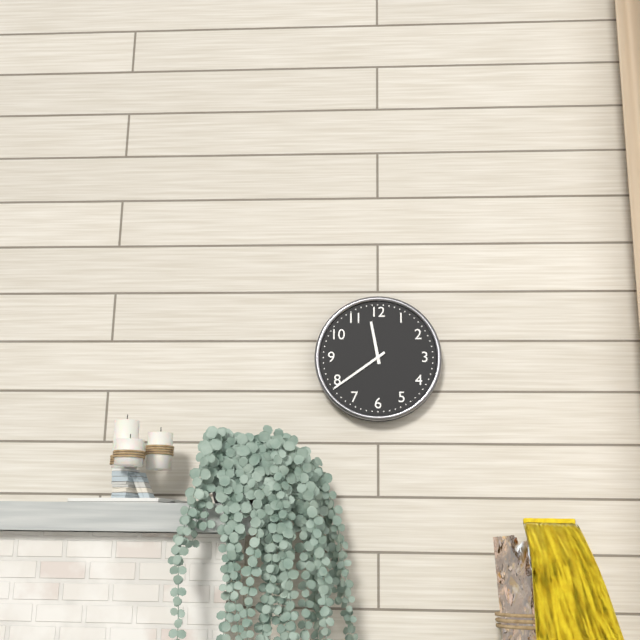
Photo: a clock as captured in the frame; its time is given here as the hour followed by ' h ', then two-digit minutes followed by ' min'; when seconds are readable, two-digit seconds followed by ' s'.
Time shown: 11 h 39 min
